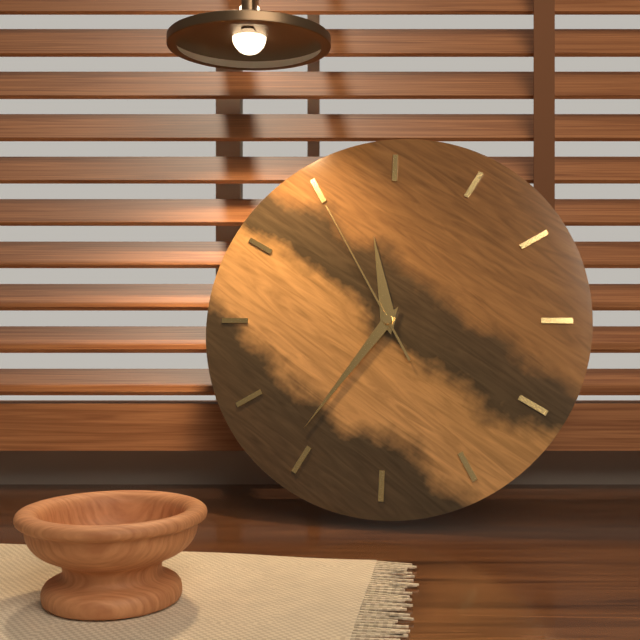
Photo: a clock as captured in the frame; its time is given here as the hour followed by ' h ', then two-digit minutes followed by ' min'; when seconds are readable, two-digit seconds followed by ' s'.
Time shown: 11 h 36 min 55 s
